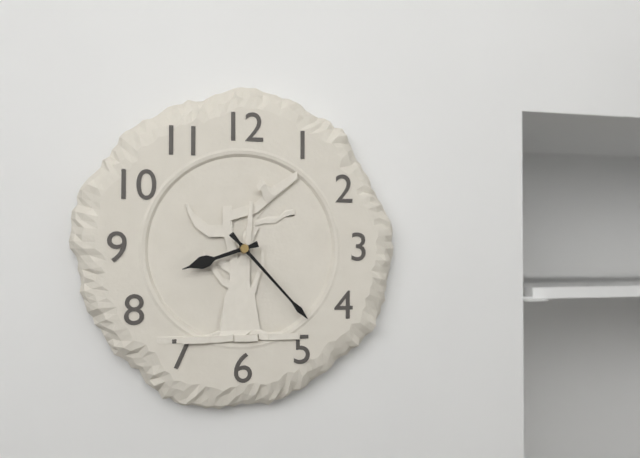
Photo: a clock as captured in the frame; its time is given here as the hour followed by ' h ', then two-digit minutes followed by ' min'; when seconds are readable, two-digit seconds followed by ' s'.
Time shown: 8 h 23 min
